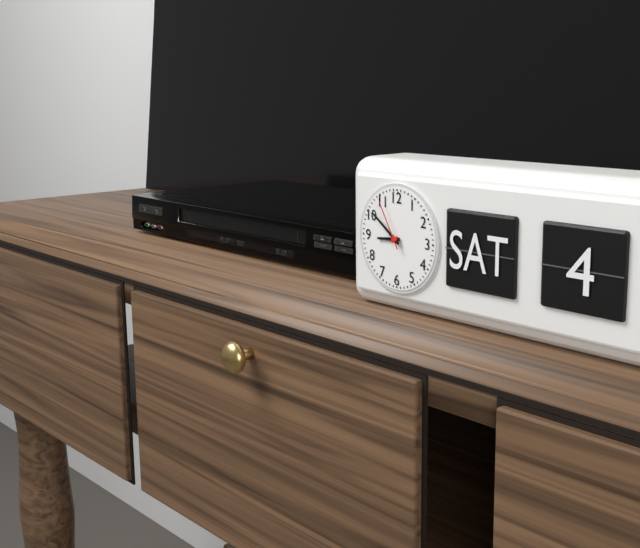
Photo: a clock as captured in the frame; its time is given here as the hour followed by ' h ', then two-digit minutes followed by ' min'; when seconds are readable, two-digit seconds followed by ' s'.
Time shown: 8 h 51 min
